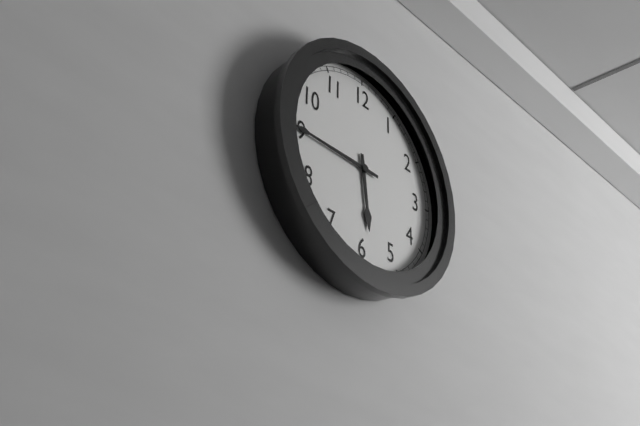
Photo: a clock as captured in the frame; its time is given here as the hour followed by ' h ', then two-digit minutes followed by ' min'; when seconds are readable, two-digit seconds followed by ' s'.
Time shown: 5 h 45 min
